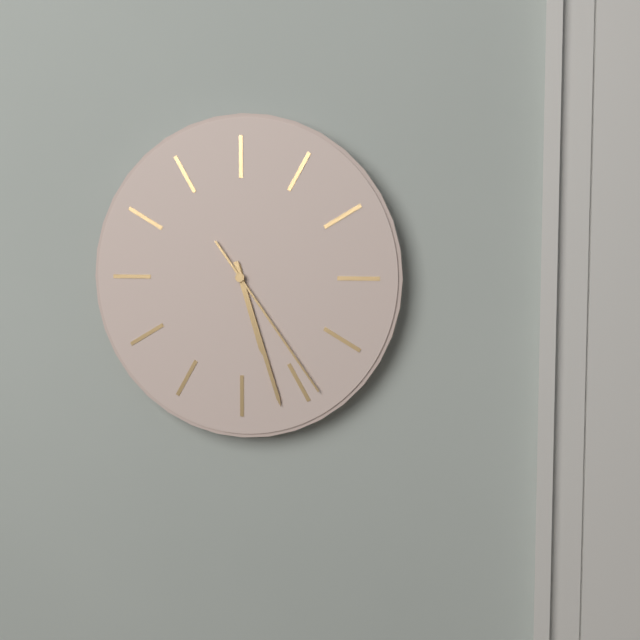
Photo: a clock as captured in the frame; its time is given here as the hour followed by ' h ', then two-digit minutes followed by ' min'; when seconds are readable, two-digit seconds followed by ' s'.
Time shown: 5 h 27 min 24 s
